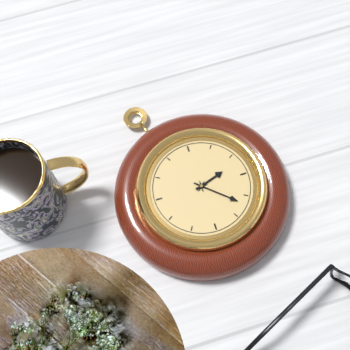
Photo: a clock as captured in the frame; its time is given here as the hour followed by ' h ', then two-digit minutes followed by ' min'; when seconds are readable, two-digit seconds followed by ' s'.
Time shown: 2 h 22 min
